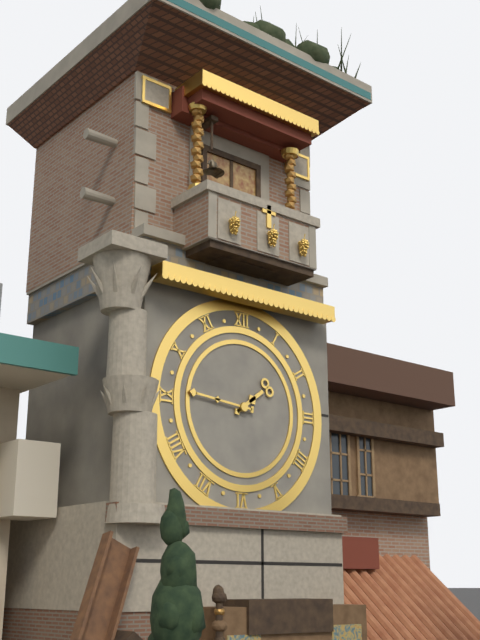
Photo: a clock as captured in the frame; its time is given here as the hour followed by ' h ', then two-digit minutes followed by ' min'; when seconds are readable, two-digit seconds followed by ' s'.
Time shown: 1 h 46 min
